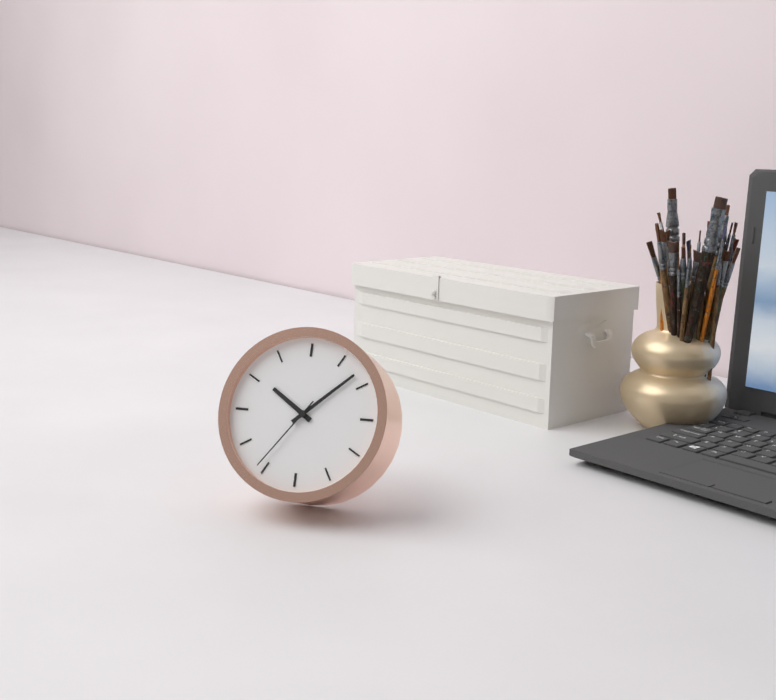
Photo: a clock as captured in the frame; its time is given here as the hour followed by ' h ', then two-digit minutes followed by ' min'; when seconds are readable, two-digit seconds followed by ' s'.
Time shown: 10 h 08 min 36 s
